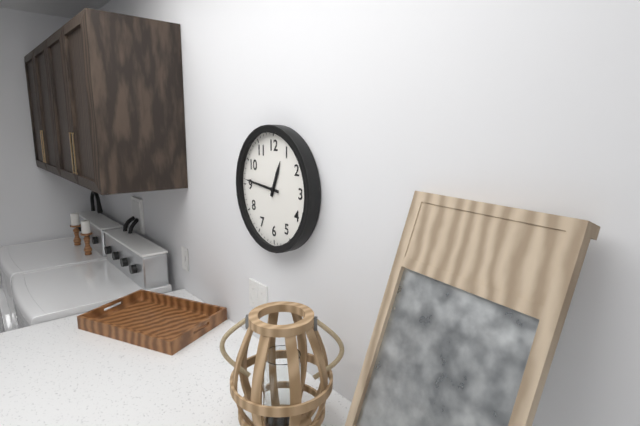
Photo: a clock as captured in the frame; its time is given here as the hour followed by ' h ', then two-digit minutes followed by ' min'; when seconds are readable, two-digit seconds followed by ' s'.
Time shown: 12 h 46 min
